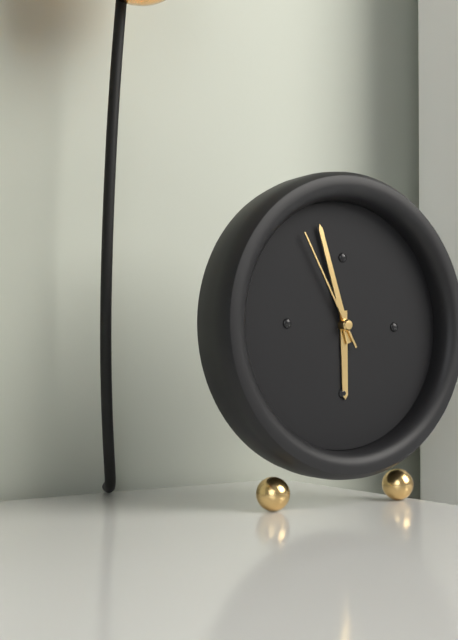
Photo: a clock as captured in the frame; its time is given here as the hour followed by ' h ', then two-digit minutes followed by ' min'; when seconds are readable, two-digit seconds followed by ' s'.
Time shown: 5 h 57 min 55 s
